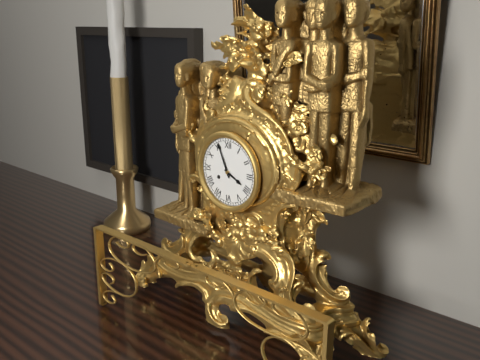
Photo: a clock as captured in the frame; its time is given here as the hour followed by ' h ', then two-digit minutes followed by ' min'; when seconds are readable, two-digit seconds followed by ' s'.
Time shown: 3 h 56 min
